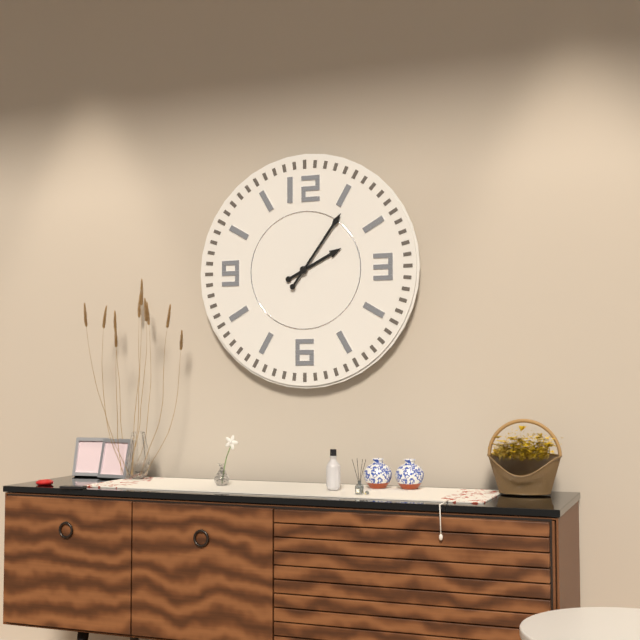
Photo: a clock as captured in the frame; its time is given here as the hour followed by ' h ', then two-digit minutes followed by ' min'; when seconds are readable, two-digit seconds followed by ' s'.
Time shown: 2 h 06 min
